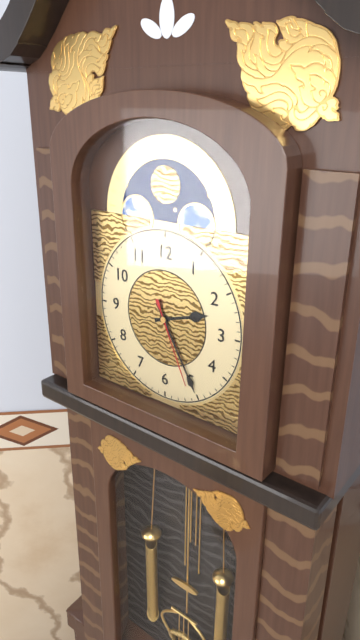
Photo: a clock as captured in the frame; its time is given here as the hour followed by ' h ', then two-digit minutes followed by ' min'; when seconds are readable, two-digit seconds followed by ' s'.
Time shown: 2 h 25 min 26 s
